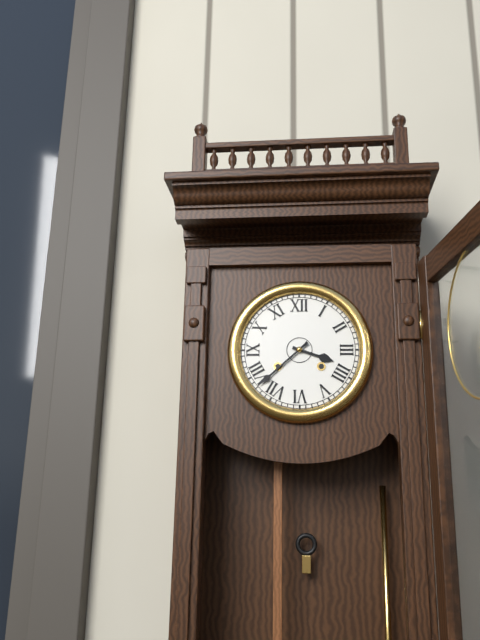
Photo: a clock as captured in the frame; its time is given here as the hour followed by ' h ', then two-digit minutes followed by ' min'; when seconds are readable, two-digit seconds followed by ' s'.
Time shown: 3 h 38 min
